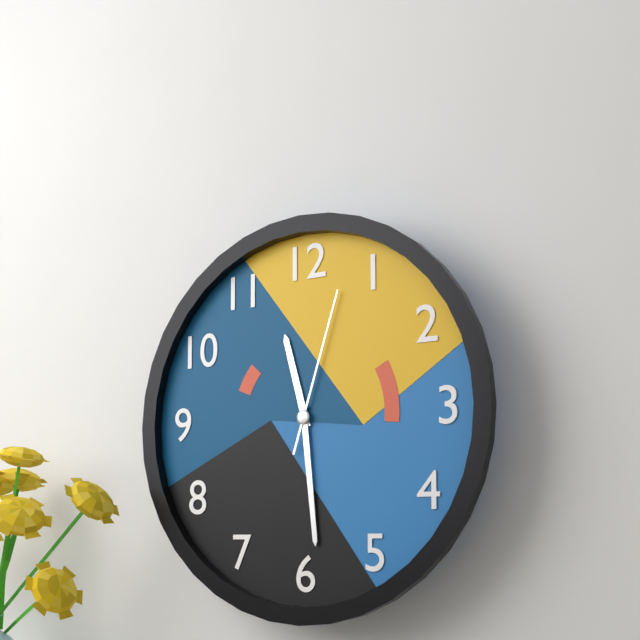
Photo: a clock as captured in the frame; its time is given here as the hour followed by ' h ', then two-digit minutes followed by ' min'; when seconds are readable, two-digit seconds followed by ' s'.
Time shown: 11 h 29 min 03 s
